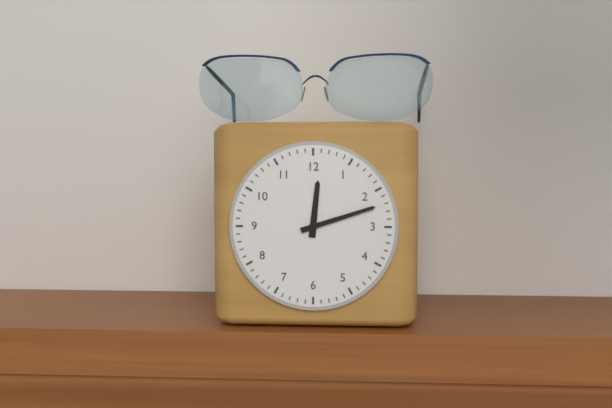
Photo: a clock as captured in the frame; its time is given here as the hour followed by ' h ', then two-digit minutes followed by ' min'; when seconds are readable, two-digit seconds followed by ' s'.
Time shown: 12 h 12 min
